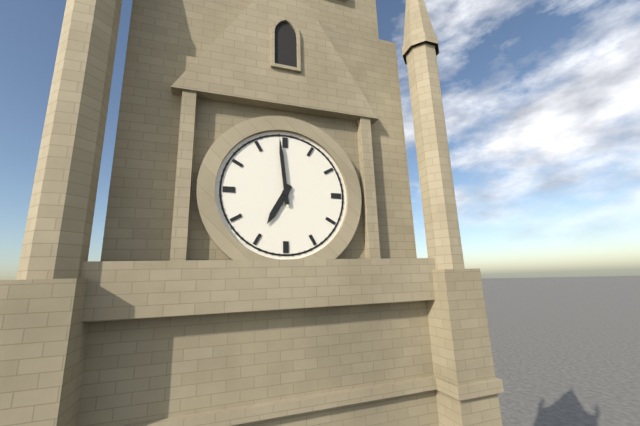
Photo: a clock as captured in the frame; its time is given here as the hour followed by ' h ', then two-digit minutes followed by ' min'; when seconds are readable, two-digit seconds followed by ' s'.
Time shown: 6 h 59 min
